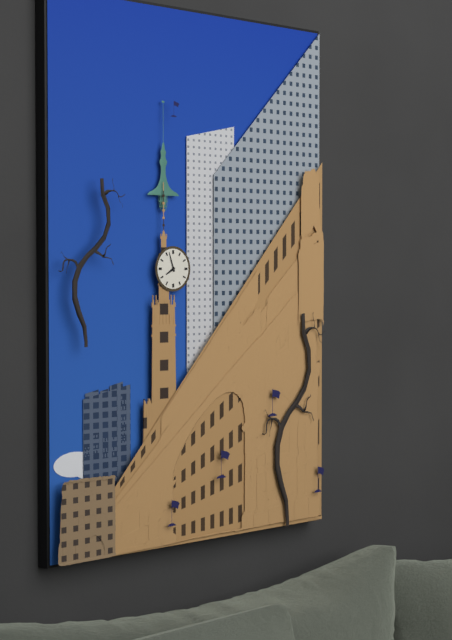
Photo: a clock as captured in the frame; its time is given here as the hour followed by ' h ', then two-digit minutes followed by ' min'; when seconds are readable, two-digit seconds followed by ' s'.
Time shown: 7 h 57 min
